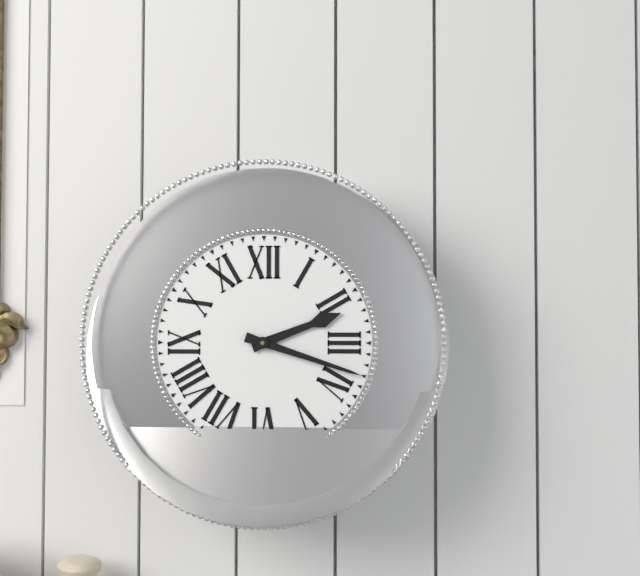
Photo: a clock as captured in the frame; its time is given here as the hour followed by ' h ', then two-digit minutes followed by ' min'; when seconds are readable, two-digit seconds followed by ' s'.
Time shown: 2 h 18 min
